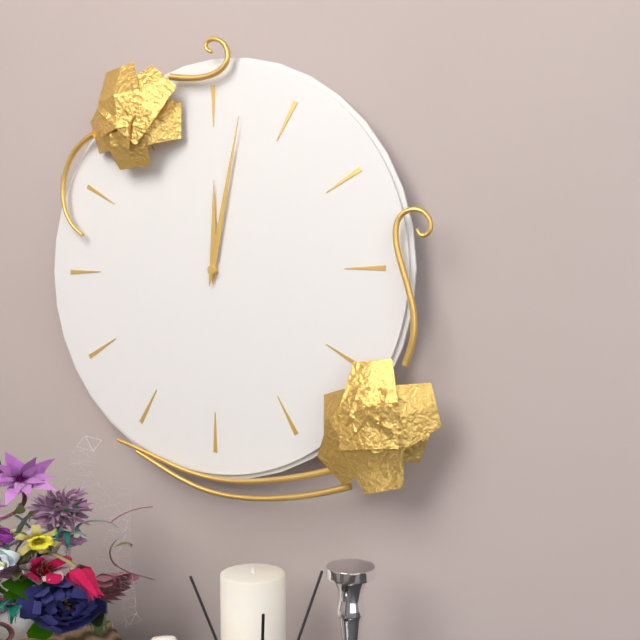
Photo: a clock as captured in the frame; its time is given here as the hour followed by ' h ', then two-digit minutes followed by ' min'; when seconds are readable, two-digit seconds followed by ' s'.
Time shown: 12 h 02 min
